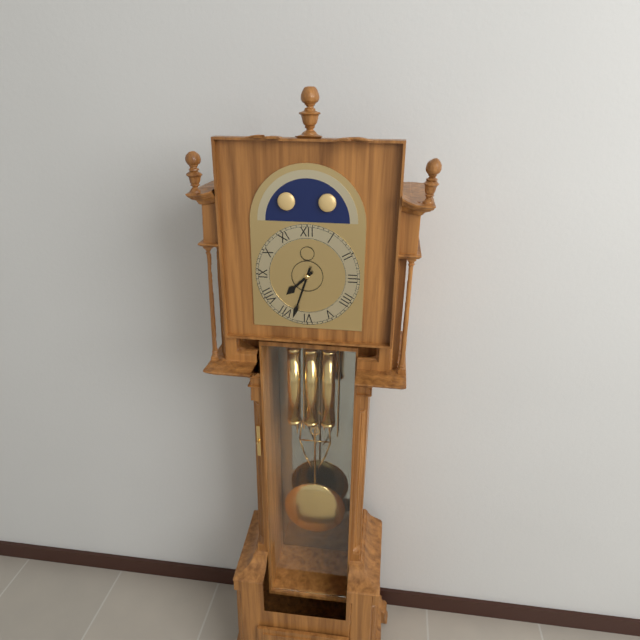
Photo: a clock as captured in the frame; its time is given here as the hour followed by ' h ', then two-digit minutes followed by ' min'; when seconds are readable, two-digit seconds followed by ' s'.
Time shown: 7 h 33 min
